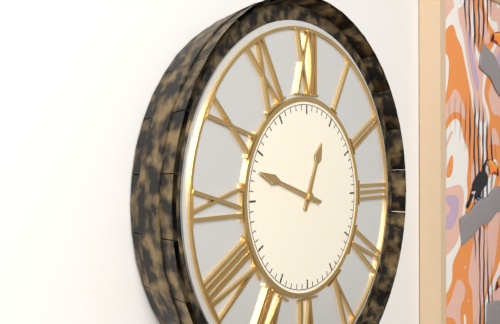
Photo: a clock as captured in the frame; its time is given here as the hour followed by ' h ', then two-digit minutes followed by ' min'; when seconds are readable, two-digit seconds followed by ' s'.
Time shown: 12 h 48 min
